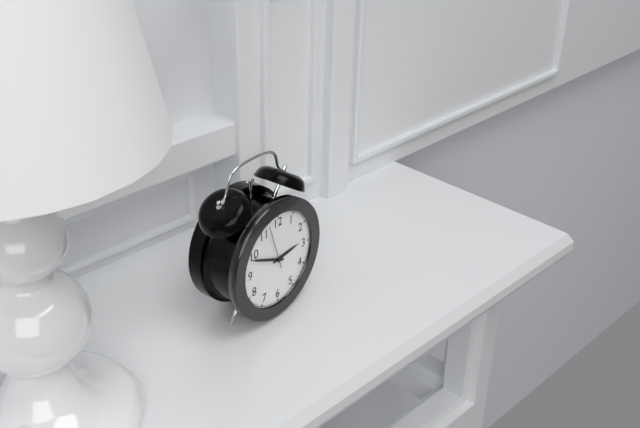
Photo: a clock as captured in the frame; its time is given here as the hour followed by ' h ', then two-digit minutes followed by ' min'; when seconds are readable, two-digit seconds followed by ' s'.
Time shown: 2 h 49 min
